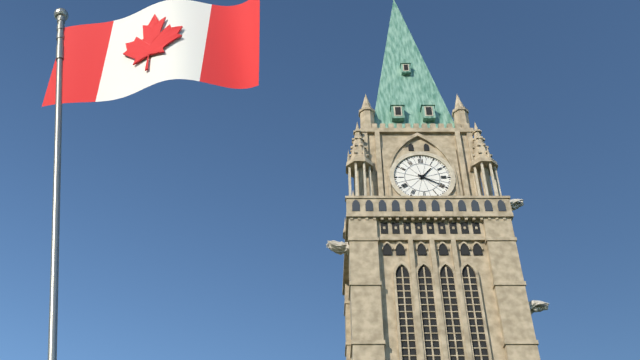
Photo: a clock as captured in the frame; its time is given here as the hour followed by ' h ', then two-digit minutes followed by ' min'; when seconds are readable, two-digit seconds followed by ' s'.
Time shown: 1 h 20 min
